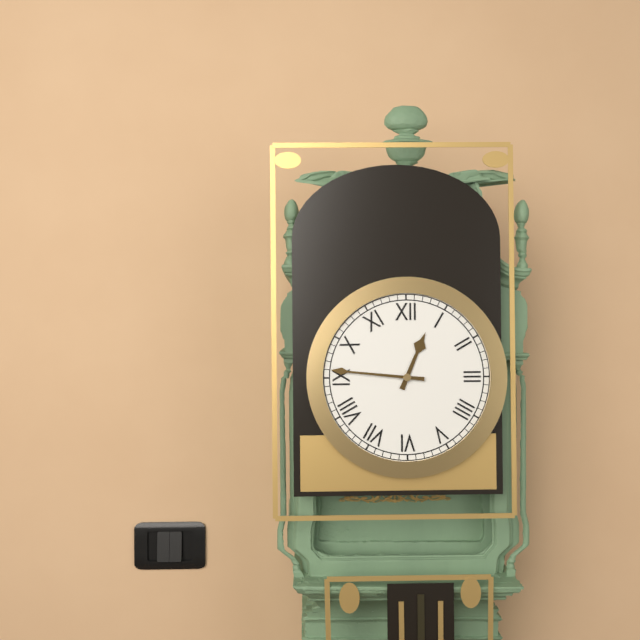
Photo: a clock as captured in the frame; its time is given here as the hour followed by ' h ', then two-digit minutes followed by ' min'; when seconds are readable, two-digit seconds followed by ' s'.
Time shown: 12 h 46 min
